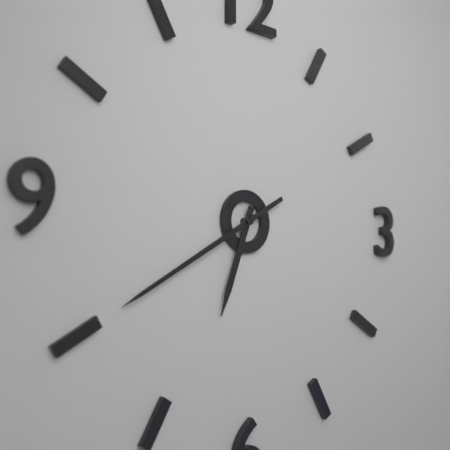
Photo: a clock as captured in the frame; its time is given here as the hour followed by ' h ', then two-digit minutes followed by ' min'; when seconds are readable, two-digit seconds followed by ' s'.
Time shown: 6 h 40 min
